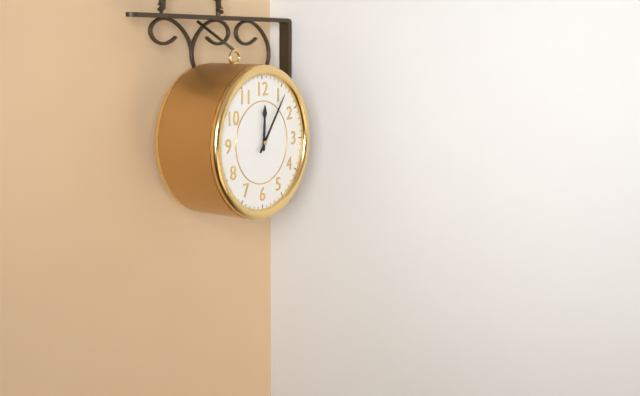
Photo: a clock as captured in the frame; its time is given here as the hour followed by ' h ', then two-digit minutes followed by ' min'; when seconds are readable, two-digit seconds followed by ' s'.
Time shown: 12 h 06 min
